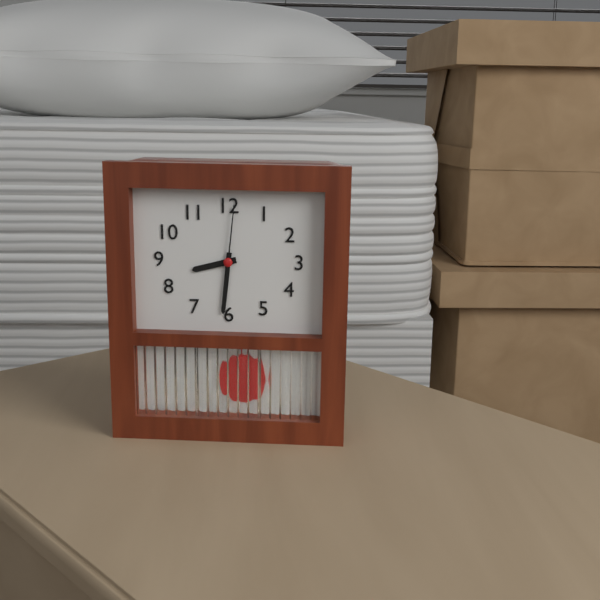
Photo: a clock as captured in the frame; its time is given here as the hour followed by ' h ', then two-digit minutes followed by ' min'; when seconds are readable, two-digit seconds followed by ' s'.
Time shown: 8 h 31 min 01 s
